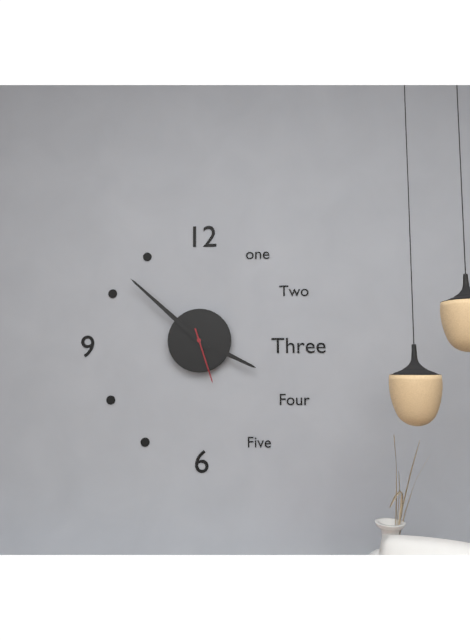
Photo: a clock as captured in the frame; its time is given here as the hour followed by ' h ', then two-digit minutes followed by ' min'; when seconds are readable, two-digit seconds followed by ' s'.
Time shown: 3 h 52 min 27 s
